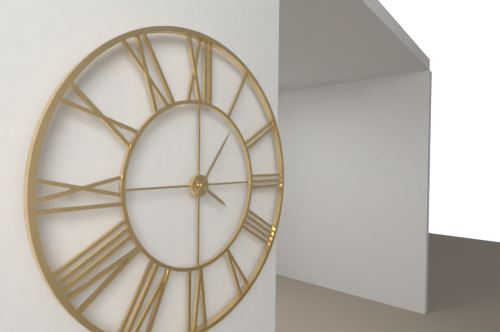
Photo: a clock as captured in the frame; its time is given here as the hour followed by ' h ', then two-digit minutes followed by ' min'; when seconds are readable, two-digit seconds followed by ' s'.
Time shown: 4 h 06 min
